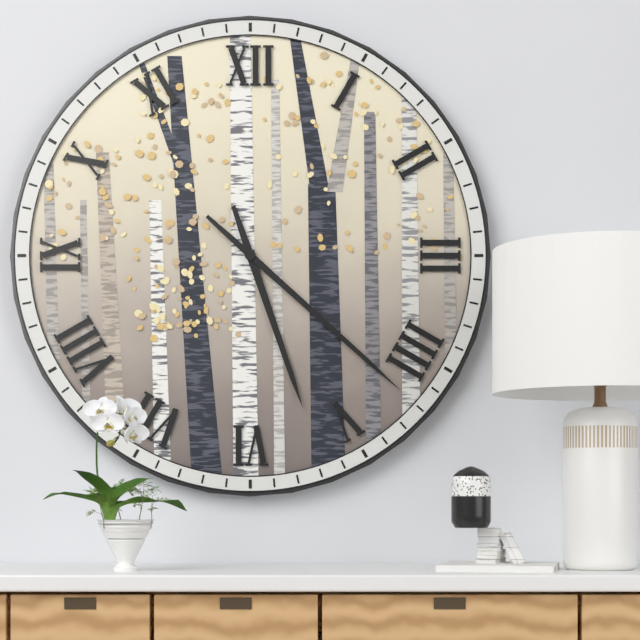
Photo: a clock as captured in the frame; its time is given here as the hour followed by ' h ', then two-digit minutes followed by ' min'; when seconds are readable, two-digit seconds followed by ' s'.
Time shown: 5 h 22 min
